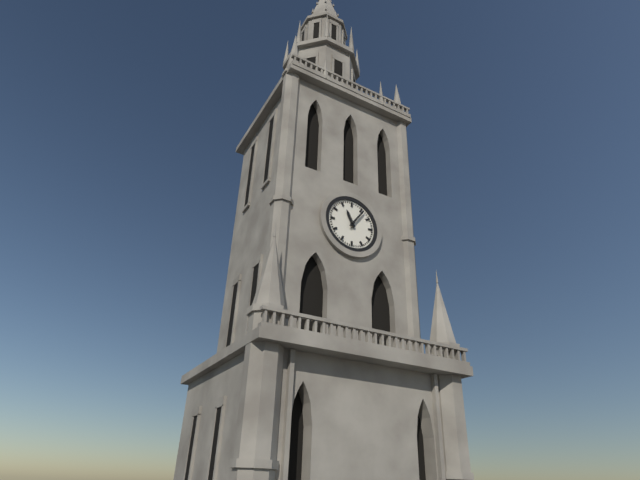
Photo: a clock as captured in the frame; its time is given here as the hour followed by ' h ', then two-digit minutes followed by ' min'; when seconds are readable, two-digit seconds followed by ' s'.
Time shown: 11 h 06 min
